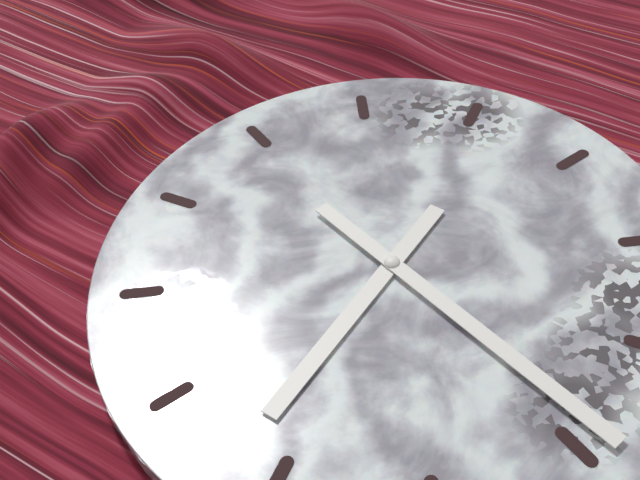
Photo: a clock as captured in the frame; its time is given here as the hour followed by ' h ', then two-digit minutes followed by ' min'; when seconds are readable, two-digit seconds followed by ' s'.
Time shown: 6 h 19 min
